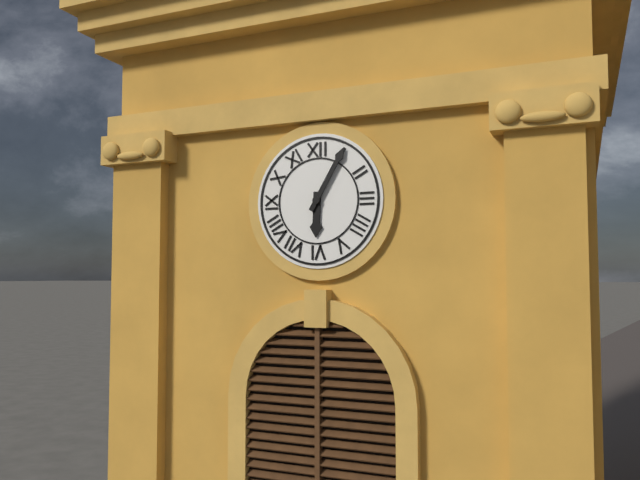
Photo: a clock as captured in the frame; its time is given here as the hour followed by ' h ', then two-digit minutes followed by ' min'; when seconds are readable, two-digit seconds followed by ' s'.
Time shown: 6 h 05 min
